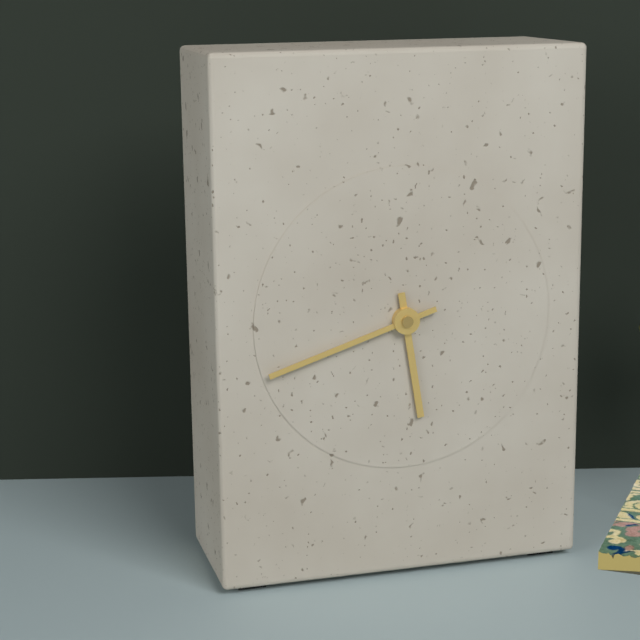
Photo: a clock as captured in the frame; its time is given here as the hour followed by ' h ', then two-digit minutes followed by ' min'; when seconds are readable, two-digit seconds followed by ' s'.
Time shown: 5 h 42 min
